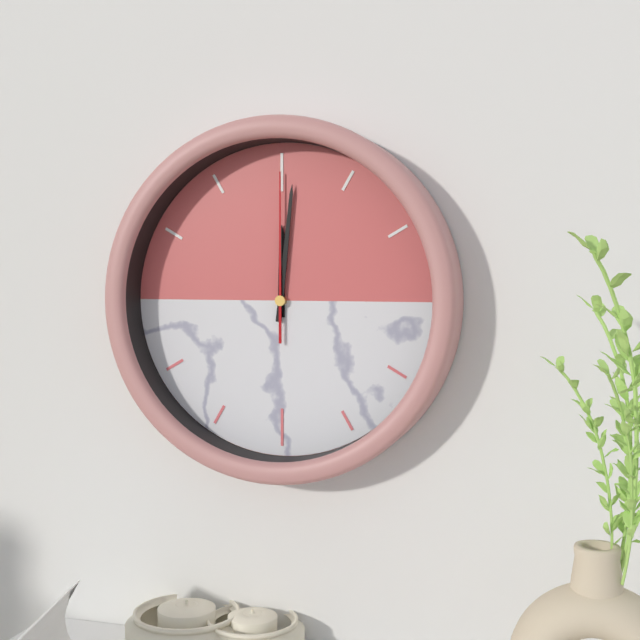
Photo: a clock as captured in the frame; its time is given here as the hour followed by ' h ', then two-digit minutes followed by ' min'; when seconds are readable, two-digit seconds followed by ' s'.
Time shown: 12 h 01 min 00 s
